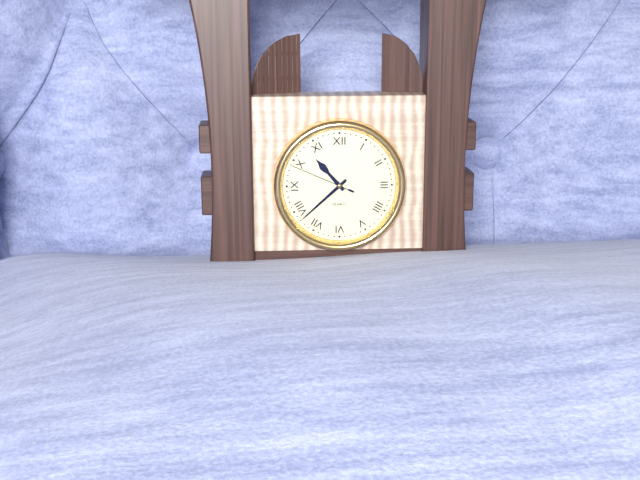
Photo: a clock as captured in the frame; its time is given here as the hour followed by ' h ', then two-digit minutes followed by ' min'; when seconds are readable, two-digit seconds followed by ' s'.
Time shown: 10 h 38 min 49 s
